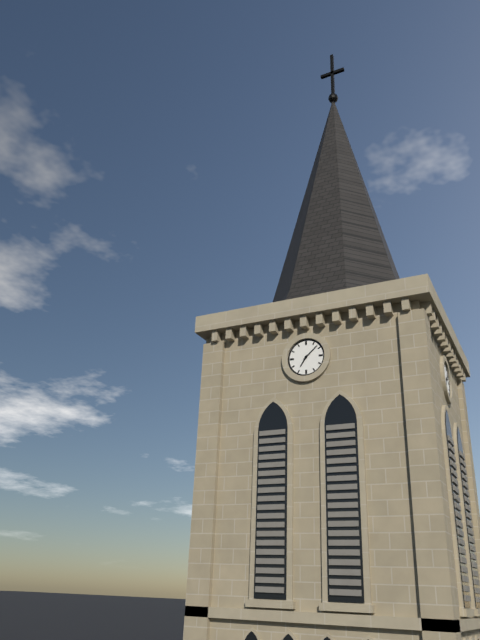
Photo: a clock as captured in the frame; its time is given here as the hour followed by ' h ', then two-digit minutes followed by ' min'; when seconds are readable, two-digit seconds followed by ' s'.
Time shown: 7 h 08 min
